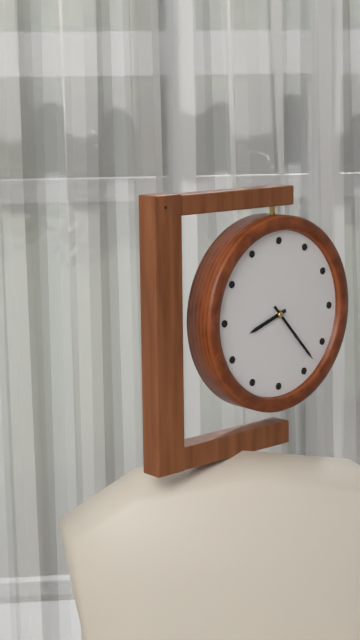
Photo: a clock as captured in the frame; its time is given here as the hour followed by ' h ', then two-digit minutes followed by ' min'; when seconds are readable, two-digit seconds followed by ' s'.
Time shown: 8 h 23 min
